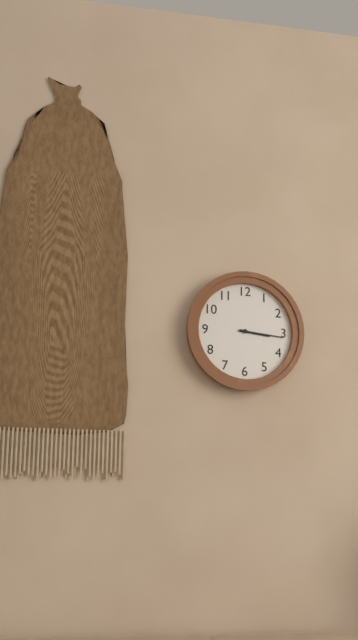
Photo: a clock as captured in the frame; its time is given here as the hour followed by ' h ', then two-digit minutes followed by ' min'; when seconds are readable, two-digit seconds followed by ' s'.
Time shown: 3 h 16 min
